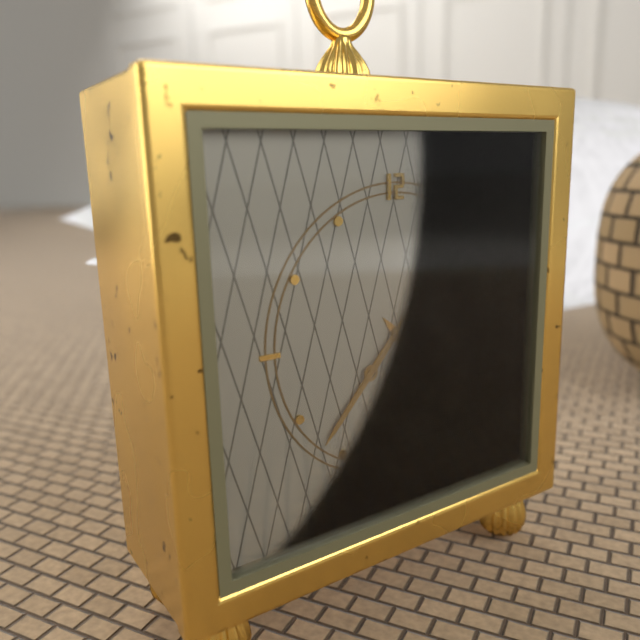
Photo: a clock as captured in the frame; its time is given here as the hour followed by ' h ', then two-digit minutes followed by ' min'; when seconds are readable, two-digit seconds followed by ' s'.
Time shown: 4 h 37 min
